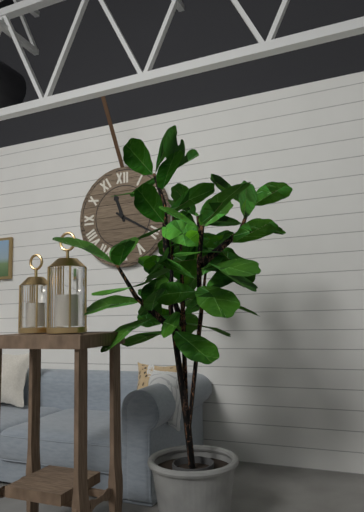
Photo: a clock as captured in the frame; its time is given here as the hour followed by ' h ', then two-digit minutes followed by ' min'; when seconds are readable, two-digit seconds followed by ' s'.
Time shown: 11 h 20 min
